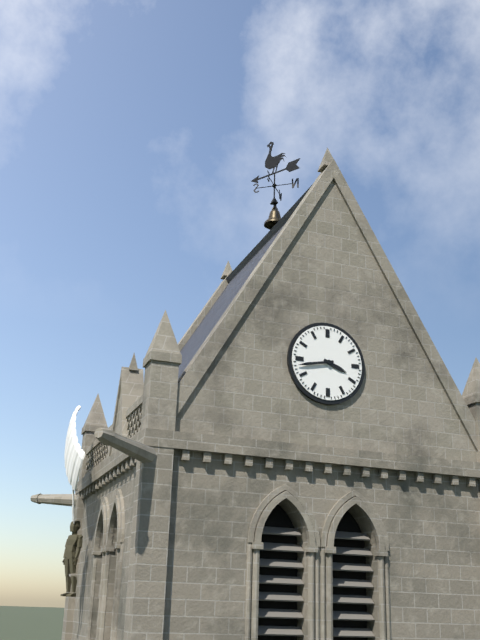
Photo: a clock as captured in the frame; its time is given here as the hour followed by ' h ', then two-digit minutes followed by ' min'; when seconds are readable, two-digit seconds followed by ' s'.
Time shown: 3 h 43 min
